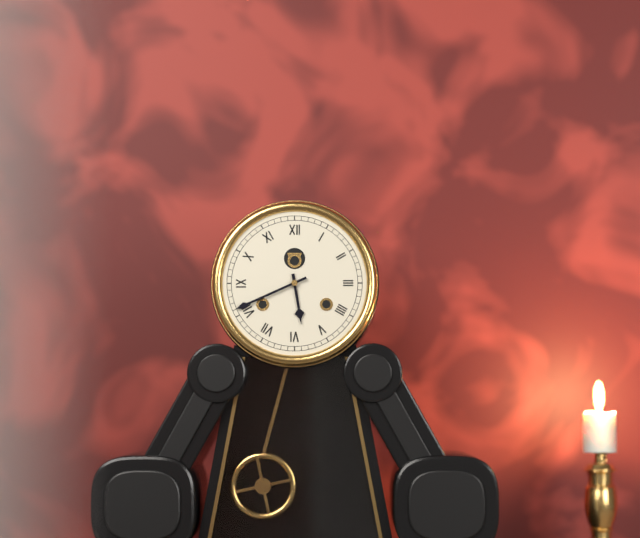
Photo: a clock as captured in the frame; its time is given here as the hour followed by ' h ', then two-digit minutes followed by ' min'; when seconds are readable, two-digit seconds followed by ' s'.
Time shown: 5 h 41 min
